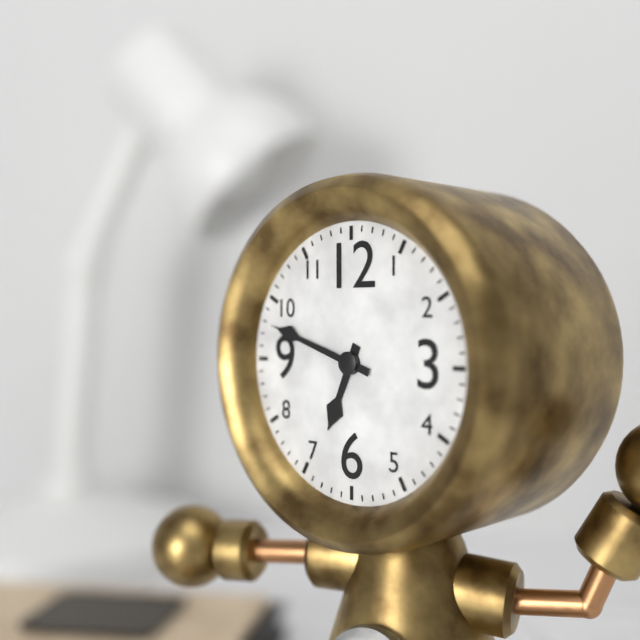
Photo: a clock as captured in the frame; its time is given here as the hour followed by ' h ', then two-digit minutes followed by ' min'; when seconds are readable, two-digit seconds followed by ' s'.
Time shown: 6 h 48 min
